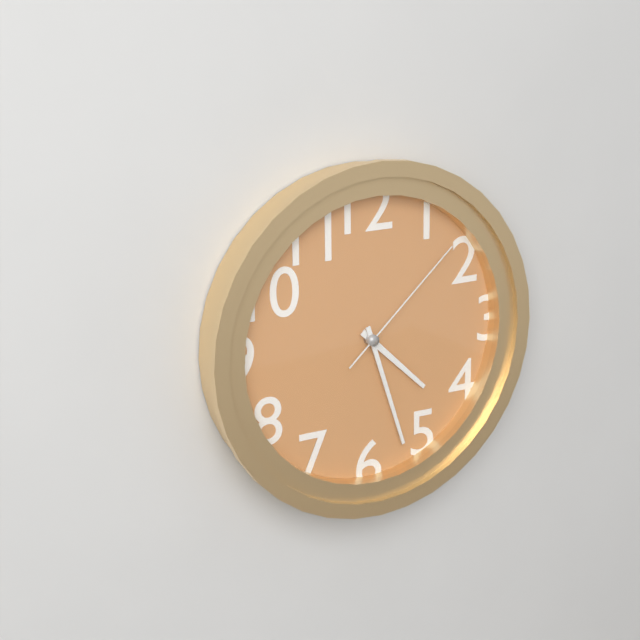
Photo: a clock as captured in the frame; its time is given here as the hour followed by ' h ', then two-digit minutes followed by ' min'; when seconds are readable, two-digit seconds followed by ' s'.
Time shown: 4 h 27 min 08 s
